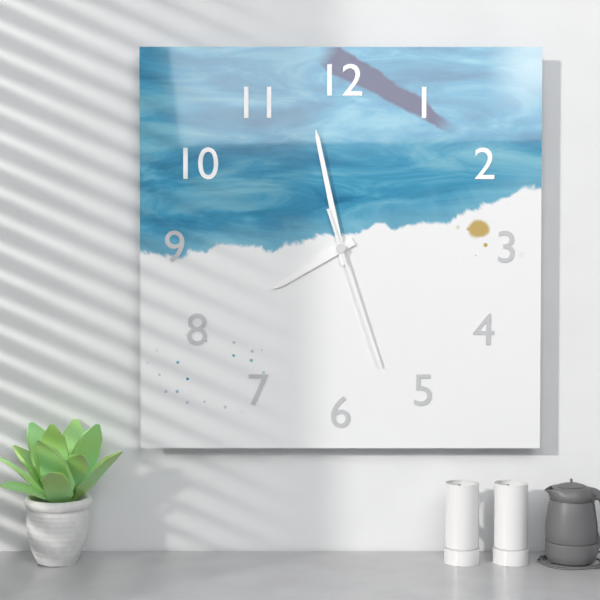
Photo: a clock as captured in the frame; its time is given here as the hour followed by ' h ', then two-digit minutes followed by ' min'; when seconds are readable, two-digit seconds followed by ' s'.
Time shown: 7 h 58 min 27 s
